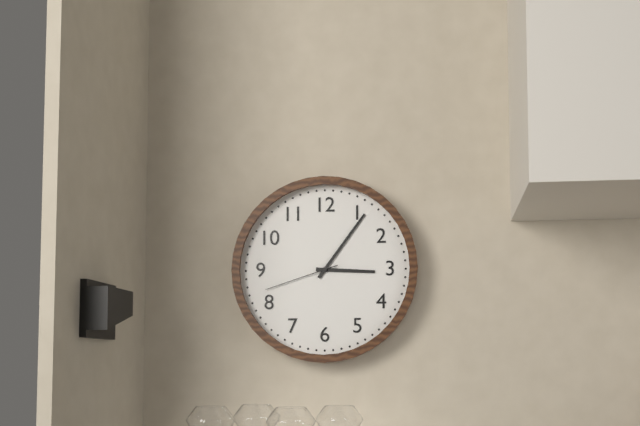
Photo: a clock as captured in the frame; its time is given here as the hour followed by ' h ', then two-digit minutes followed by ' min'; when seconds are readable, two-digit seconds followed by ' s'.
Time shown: 3 h 06 min 42 s
